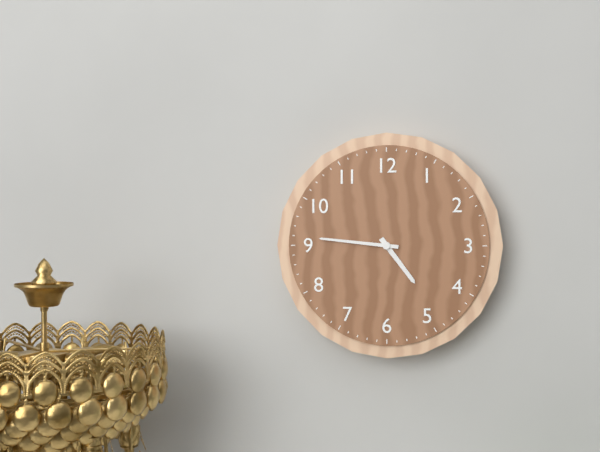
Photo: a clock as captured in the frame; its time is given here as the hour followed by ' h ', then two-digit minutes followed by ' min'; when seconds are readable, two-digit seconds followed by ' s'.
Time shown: 4 h 46 min
